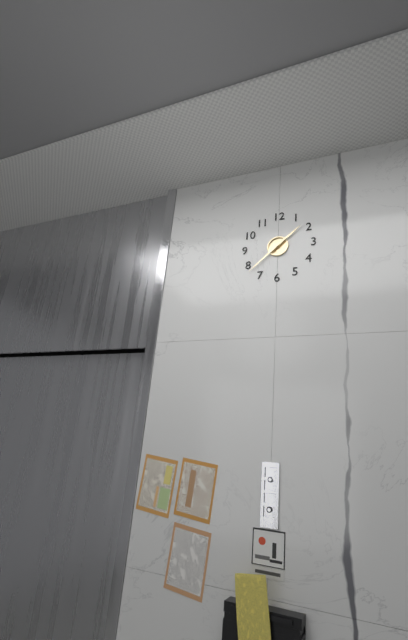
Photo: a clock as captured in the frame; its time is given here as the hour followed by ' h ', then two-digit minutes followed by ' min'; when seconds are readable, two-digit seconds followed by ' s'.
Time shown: 1 h 38 min
